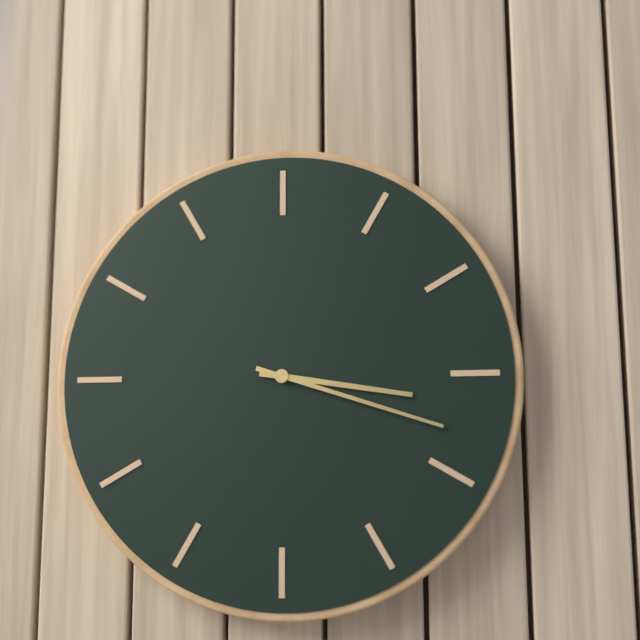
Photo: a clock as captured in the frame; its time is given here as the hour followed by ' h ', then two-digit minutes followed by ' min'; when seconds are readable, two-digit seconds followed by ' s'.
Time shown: 3 h 18 min
